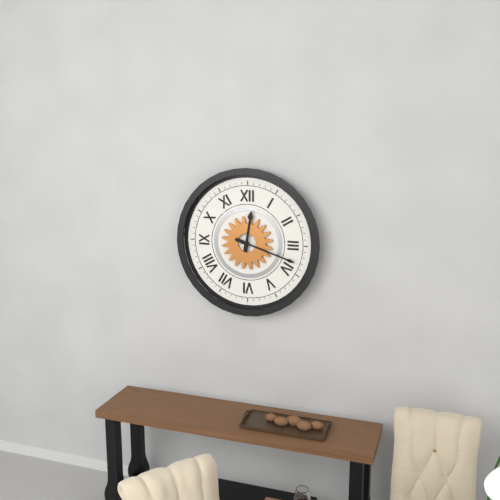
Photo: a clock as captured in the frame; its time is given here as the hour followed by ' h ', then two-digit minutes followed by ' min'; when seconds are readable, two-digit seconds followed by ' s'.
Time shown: 12 h 18 min
